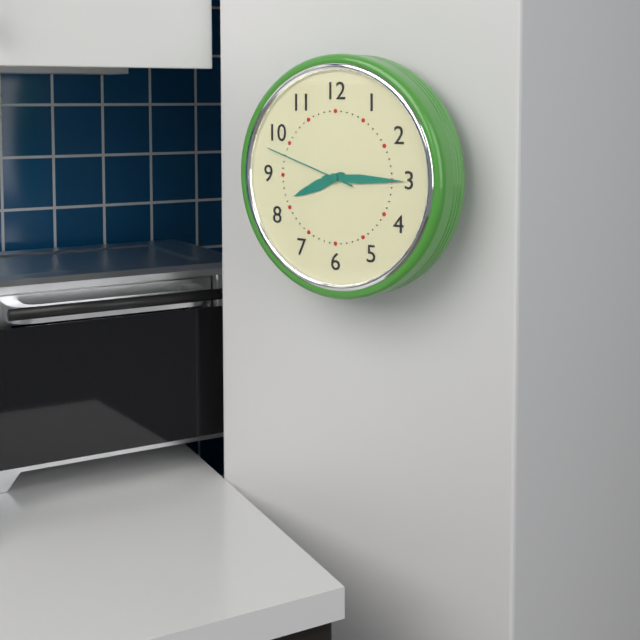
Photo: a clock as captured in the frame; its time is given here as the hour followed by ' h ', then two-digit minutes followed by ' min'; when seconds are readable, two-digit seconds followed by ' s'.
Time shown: 8 h 15 min 48 s
